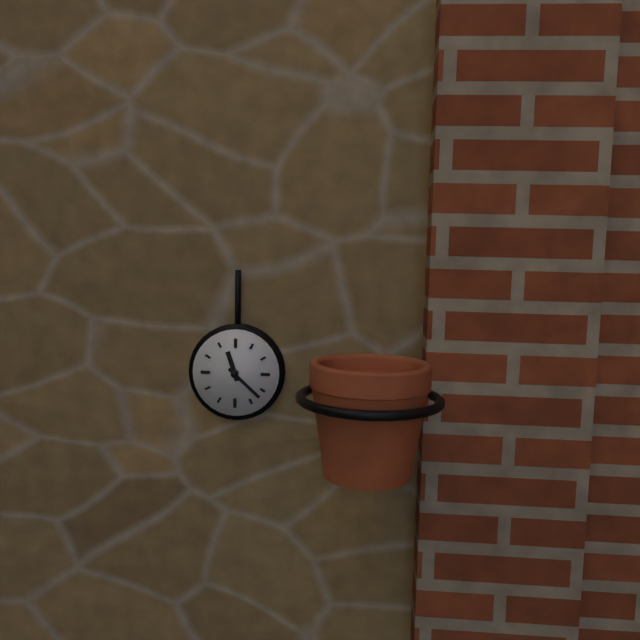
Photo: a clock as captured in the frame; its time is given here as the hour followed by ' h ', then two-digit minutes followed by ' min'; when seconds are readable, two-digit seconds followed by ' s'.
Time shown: 11 h 22 min
